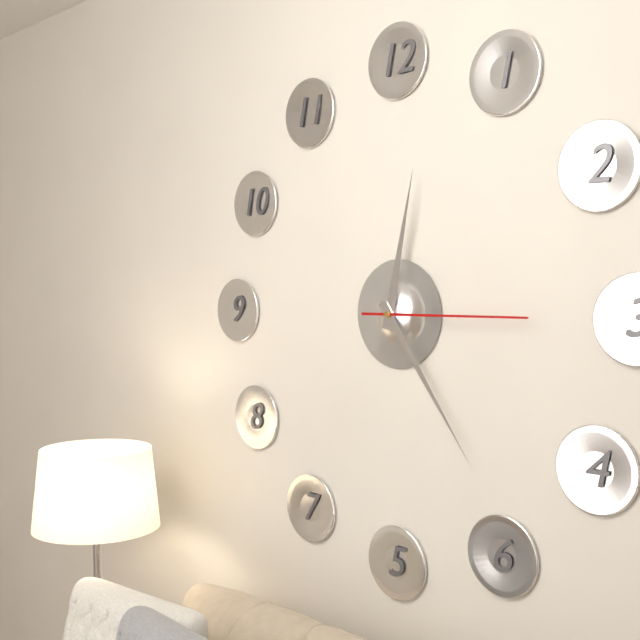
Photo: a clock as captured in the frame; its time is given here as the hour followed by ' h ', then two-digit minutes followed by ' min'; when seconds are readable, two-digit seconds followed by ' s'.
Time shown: 12 h 24 min 15 s
